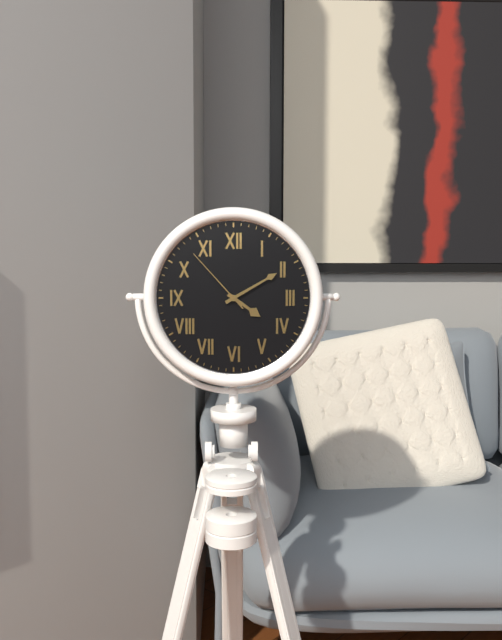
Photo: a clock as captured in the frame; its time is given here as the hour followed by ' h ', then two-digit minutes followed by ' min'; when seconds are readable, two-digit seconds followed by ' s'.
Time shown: 4 h 10 min 53 s
